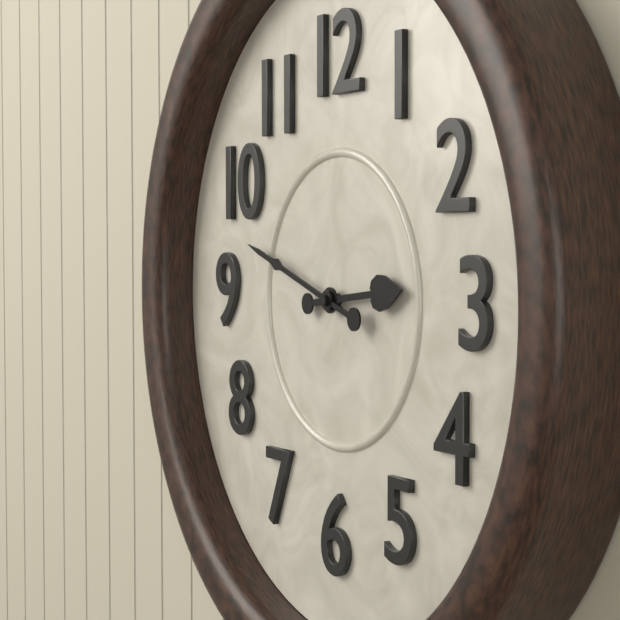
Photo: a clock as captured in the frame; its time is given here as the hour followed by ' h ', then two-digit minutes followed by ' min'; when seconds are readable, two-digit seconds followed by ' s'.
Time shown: 2 h 48 min
